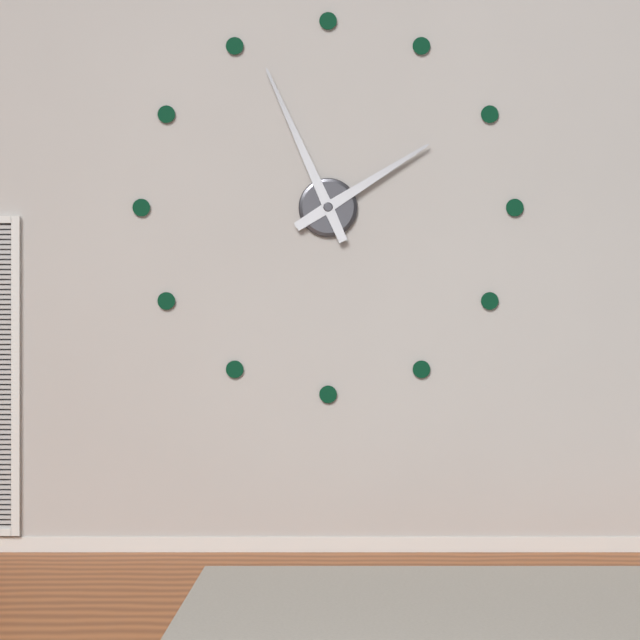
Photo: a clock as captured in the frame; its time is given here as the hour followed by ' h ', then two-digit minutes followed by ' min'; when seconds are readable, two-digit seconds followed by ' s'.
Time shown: 1 h 56 min
